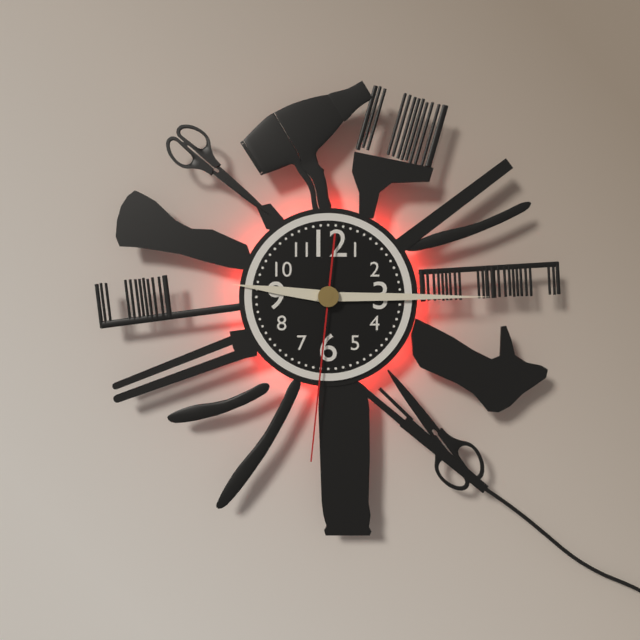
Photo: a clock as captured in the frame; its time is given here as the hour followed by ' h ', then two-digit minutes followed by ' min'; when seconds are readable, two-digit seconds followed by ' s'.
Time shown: 9 h 15 min 31 s
